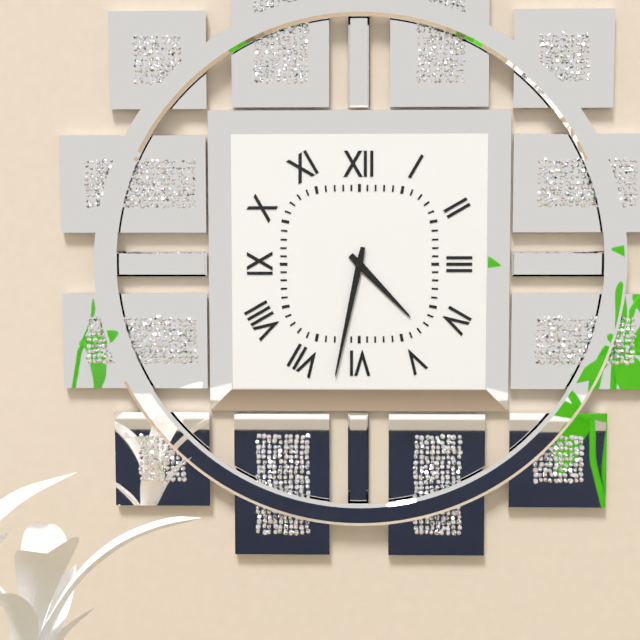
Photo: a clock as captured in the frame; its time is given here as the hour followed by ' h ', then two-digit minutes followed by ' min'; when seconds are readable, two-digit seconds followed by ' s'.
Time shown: 4 h 32 min
